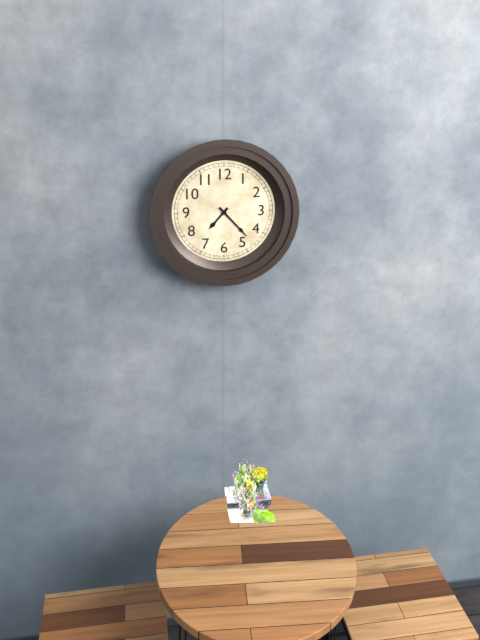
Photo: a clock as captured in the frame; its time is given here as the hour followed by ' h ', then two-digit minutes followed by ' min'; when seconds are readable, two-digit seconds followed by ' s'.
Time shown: 7 h 23 min
